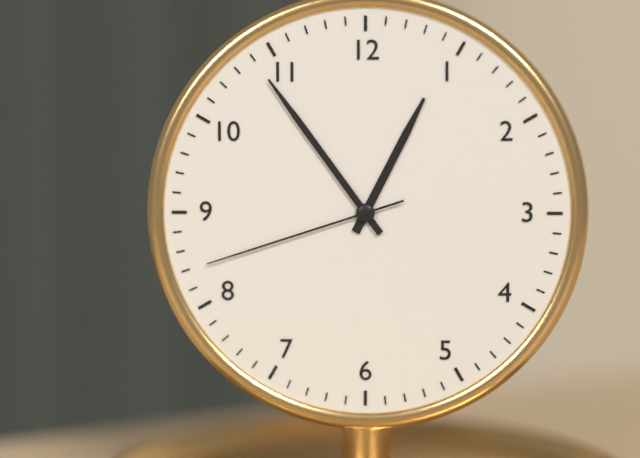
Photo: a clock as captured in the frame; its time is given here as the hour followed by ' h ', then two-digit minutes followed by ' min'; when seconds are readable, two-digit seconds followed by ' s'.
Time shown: 12 h 54 min 42 s
